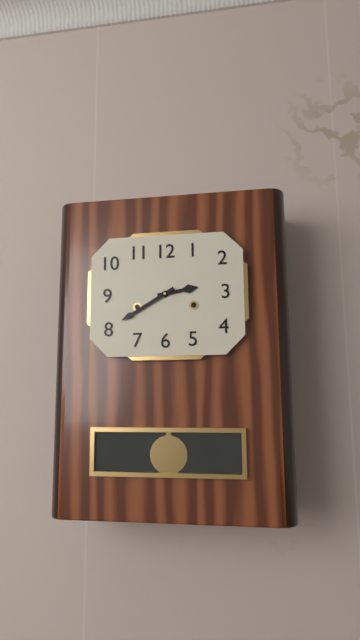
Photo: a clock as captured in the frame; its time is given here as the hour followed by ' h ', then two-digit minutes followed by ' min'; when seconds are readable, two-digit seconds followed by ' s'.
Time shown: 2 h 40 min
